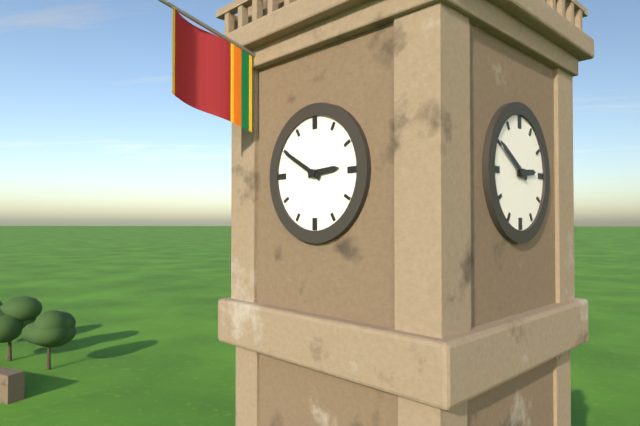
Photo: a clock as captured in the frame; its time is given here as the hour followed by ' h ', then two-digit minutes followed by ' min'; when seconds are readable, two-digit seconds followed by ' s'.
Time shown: 2 h 50 min
